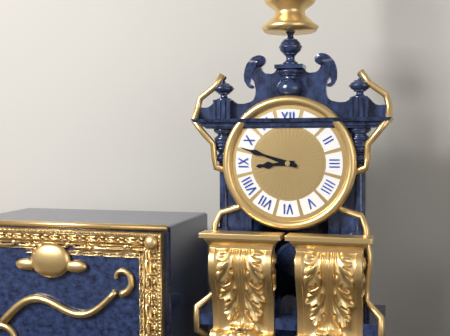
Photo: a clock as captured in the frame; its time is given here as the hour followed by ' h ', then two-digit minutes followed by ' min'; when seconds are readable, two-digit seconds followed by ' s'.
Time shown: 8 h 48 min
